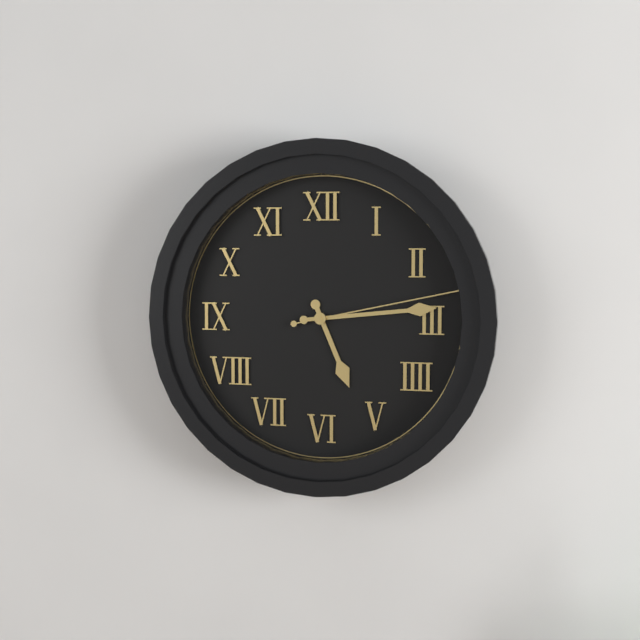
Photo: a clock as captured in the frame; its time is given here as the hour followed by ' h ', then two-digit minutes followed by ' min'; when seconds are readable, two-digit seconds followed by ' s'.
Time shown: 5 h 14 min 13 s
